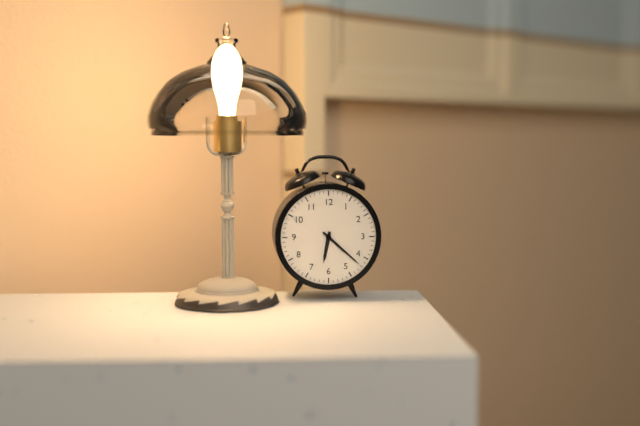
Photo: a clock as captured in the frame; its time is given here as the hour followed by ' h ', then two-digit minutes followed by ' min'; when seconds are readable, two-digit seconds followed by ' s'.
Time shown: 6 h 22 min
